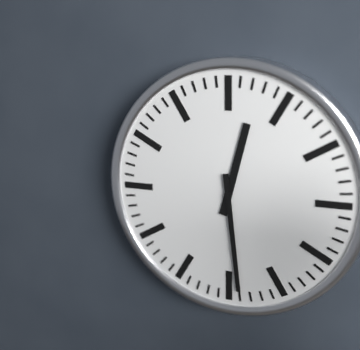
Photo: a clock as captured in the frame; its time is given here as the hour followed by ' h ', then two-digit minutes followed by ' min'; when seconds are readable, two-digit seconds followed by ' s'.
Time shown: 12 h 29 min
